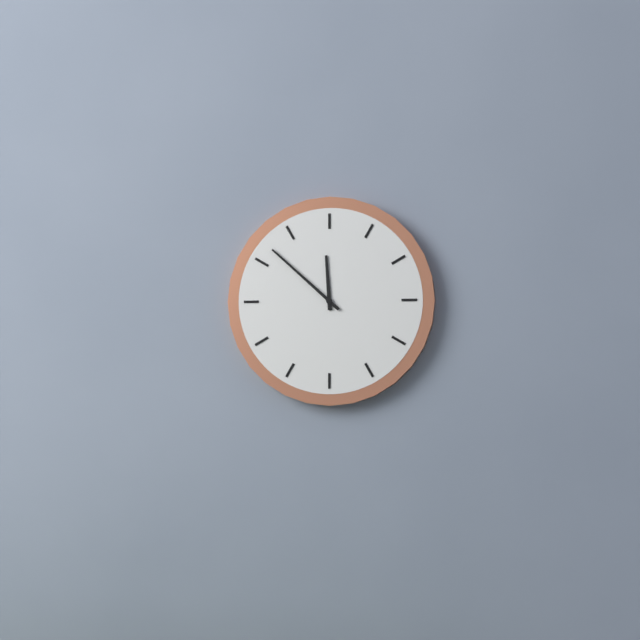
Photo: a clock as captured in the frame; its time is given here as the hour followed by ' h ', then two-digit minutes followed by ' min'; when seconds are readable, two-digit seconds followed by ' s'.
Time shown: 11 h 52 min
